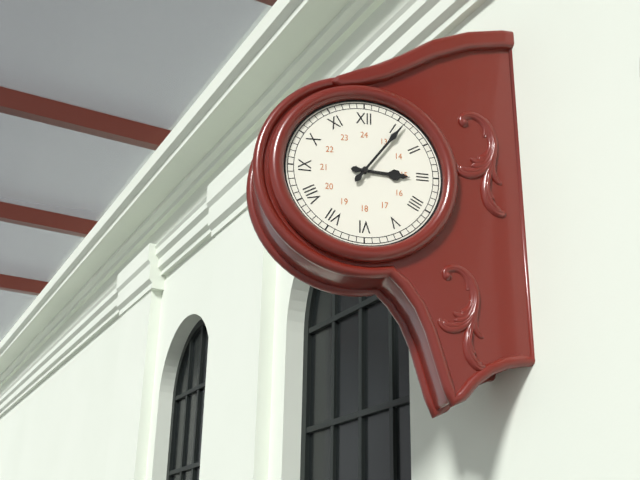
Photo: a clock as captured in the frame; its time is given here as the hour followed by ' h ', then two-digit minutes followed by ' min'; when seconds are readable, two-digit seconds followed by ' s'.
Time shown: 3 h 06 min
